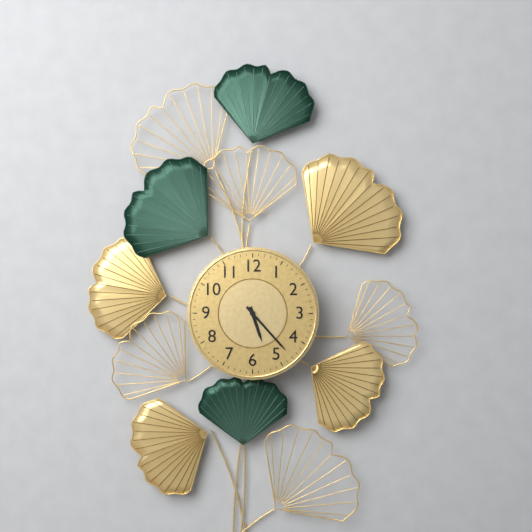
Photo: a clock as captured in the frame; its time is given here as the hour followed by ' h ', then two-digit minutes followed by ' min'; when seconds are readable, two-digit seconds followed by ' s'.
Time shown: 5 h 23 min
